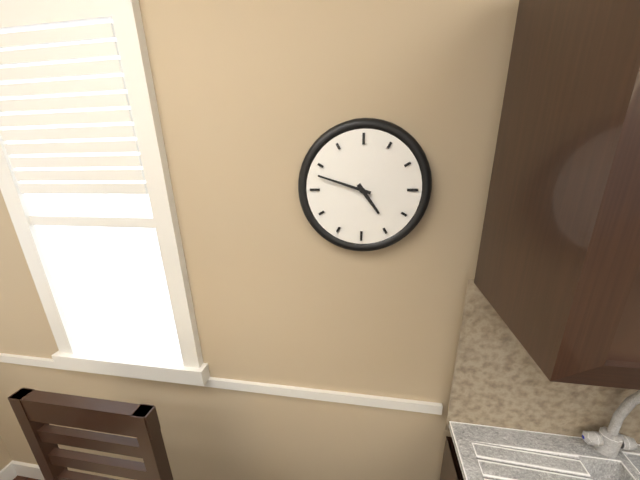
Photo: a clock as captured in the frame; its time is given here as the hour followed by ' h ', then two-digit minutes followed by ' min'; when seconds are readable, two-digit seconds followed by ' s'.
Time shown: 4 h 48 min
